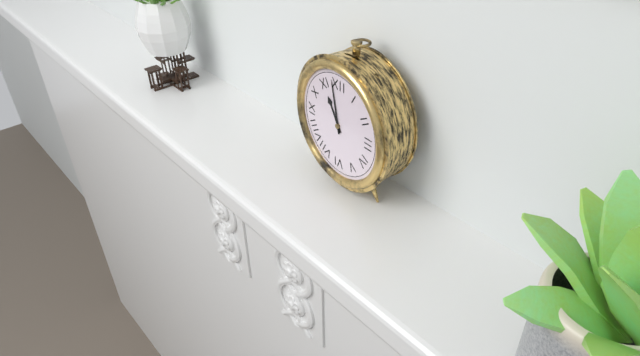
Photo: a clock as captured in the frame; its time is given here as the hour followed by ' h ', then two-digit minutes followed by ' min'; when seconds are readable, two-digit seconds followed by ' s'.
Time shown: 10 h 58 min
